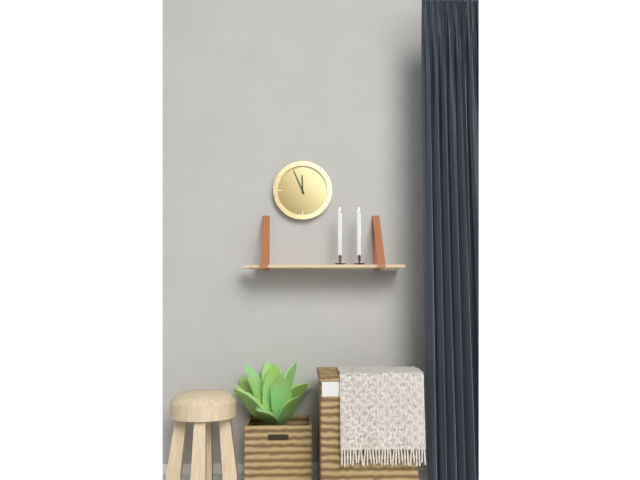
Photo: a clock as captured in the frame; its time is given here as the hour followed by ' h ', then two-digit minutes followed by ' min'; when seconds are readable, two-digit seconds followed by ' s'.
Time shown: 11 h 56 min
